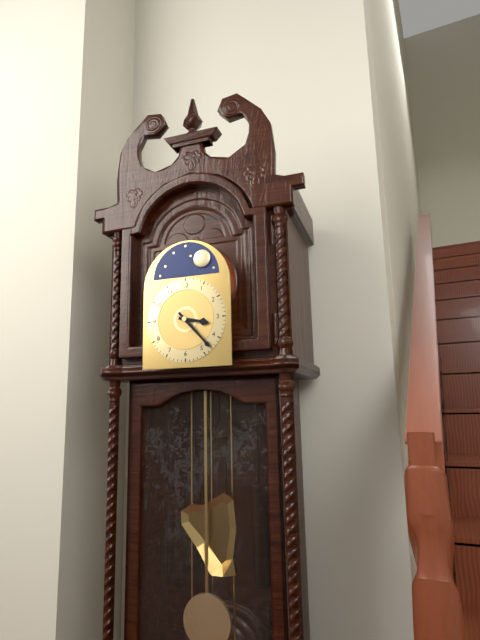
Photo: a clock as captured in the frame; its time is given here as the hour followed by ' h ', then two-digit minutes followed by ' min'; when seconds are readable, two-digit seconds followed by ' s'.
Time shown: 3 h 23 min
